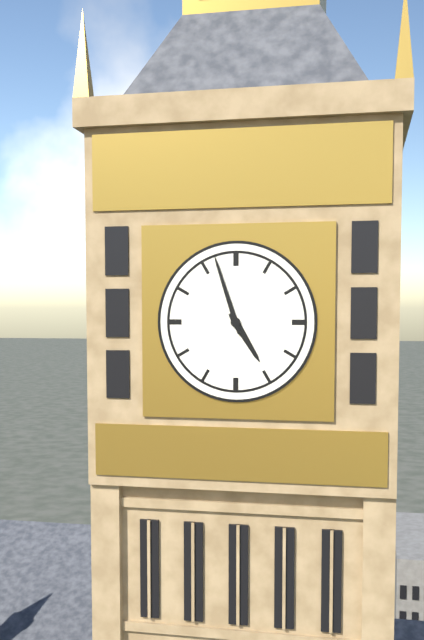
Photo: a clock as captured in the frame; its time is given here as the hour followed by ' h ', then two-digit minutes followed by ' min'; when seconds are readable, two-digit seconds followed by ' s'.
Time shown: 4 h 57 min
